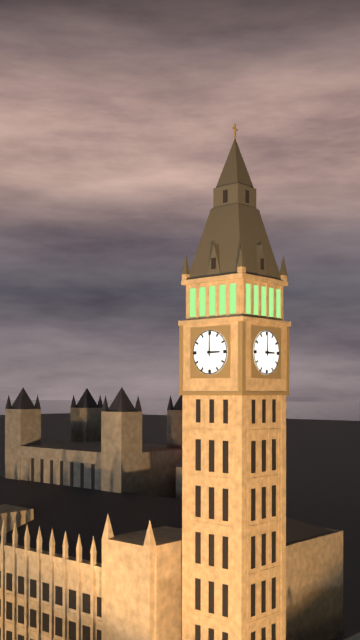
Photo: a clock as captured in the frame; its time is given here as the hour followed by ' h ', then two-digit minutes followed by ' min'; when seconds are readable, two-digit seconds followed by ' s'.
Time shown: 3 h 00 min
